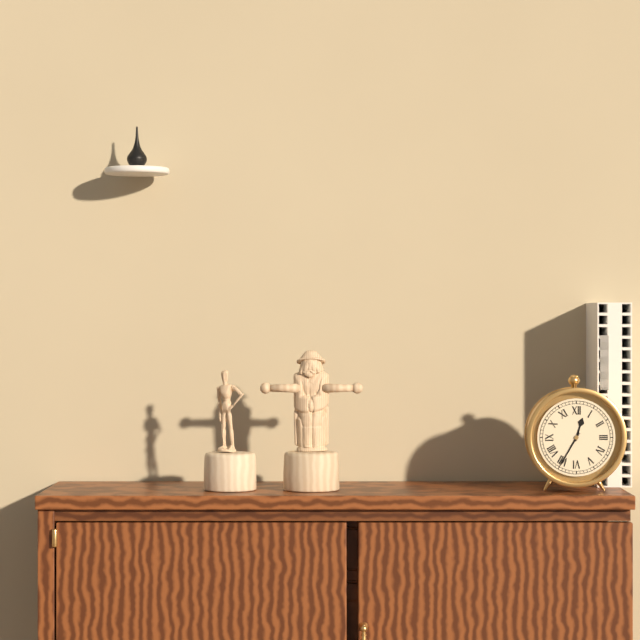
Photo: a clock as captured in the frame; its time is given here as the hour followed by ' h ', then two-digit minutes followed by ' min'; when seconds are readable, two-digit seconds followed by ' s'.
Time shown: 12 h 35 min
